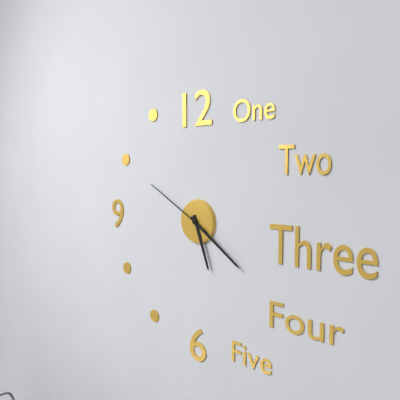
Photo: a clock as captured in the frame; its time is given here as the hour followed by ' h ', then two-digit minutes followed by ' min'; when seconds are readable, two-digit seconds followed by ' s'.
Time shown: 5 h 21 min 50 s
